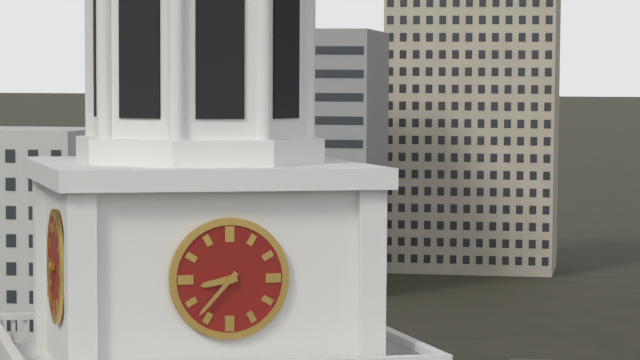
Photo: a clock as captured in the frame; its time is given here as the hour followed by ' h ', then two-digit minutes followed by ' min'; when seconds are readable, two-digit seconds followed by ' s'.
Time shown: 8 h 37 min
